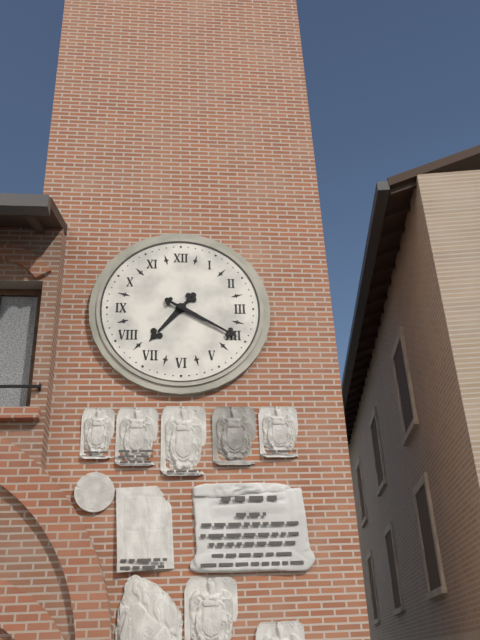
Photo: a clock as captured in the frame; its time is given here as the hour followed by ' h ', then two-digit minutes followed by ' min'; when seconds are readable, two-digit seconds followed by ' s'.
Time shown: 7 h 20 min
